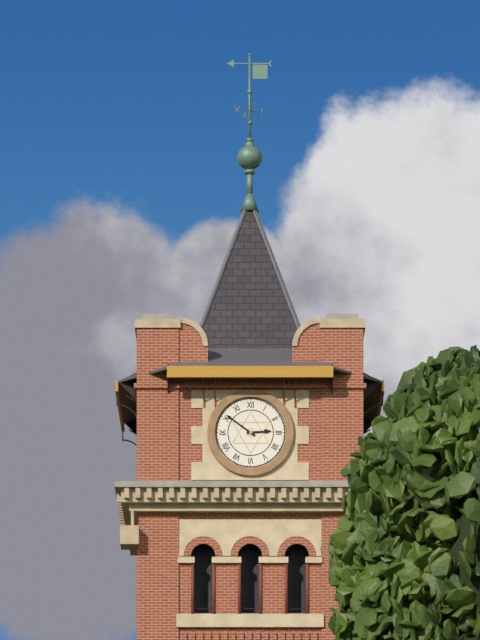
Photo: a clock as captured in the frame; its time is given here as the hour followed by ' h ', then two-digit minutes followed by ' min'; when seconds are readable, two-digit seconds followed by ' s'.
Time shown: 2 h 51 min
